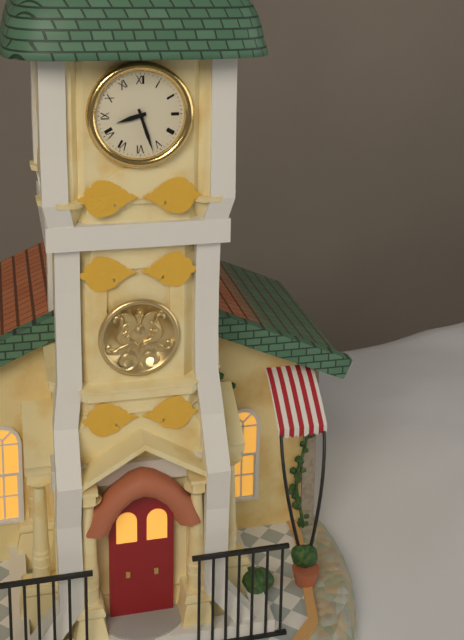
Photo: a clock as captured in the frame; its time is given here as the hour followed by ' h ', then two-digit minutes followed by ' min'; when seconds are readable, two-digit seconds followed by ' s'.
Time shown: 8 h 27 min
